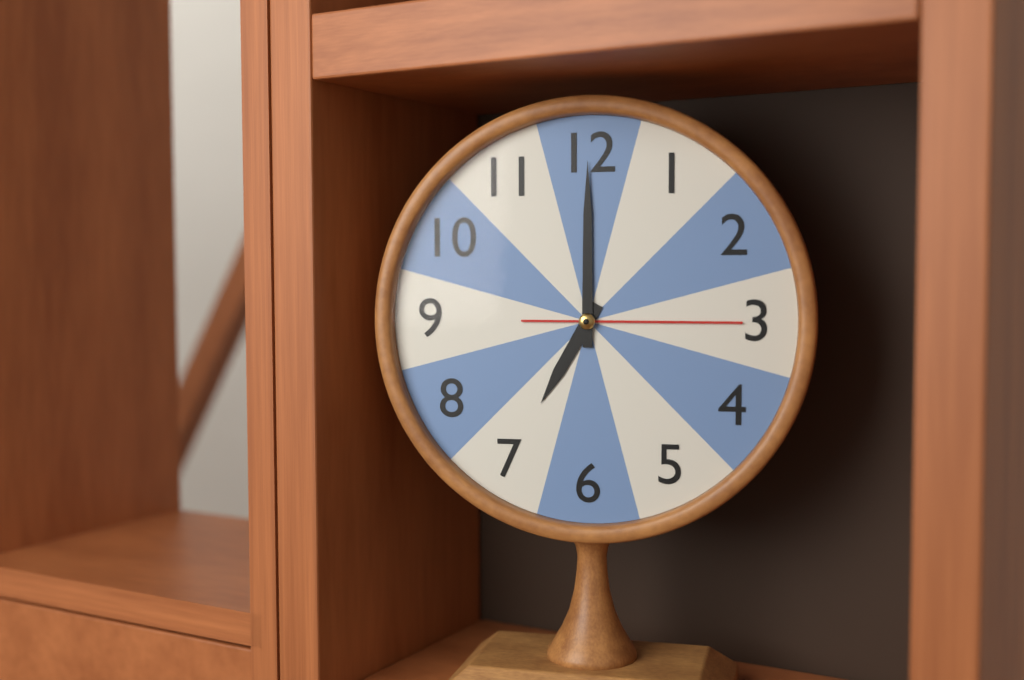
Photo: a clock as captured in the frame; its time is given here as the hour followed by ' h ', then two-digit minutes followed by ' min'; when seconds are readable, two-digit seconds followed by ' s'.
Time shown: 7 h 00 min 15 s
